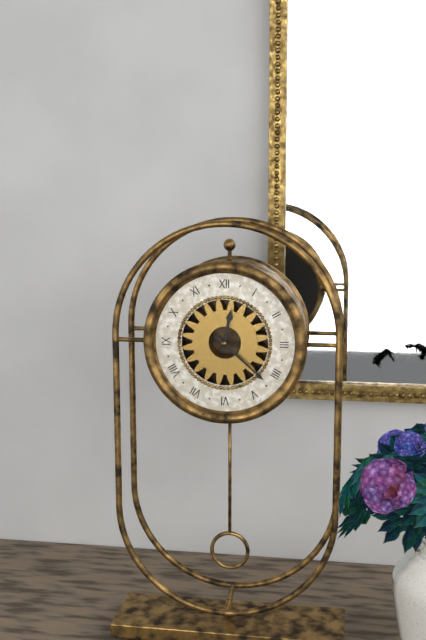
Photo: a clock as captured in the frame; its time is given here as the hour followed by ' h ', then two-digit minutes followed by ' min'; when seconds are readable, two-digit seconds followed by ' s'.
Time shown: 12 h 22 min
